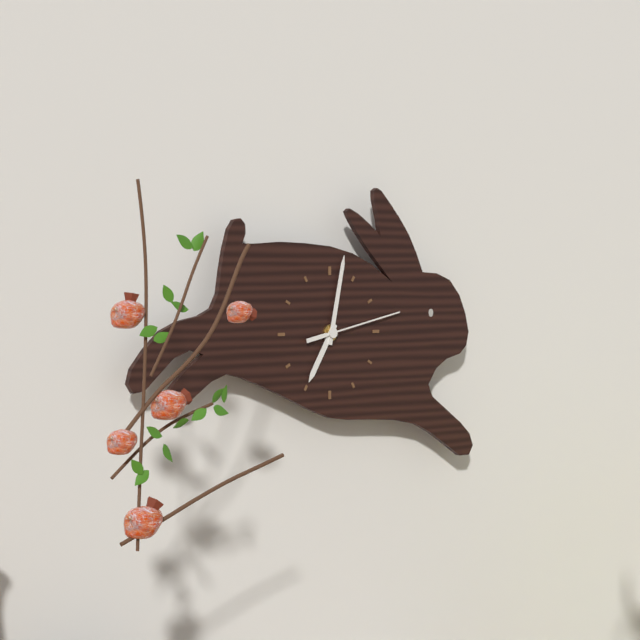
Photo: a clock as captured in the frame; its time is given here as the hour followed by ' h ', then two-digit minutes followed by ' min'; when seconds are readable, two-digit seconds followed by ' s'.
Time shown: 7 h 02 min 13 s
